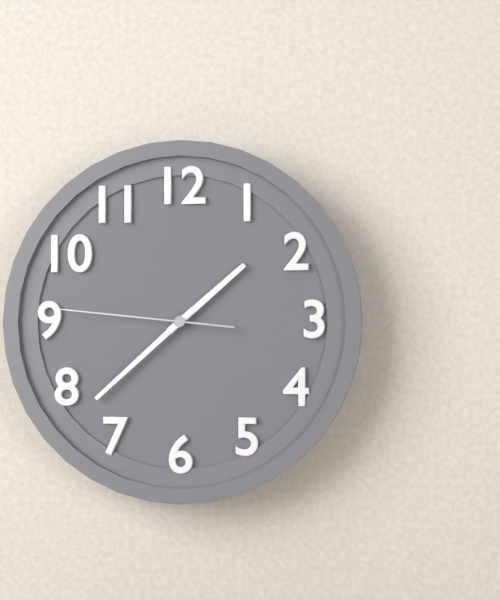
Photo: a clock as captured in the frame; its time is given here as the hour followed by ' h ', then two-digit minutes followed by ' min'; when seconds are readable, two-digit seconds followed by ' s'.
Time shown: 1 h 38 min 46 s
